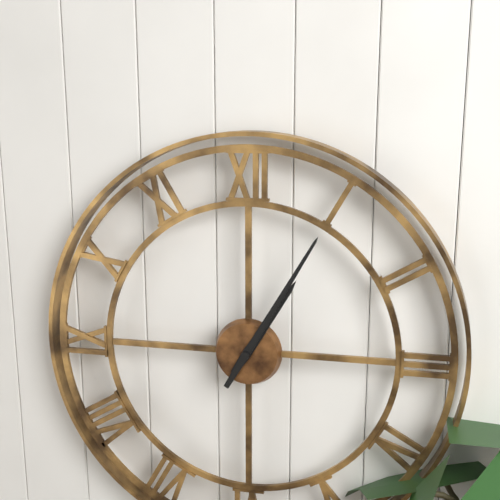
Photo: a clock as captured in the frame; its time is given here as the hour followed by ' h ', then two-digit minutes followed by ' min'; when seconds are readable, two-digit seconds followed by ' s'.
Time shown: 1 h 05 min
